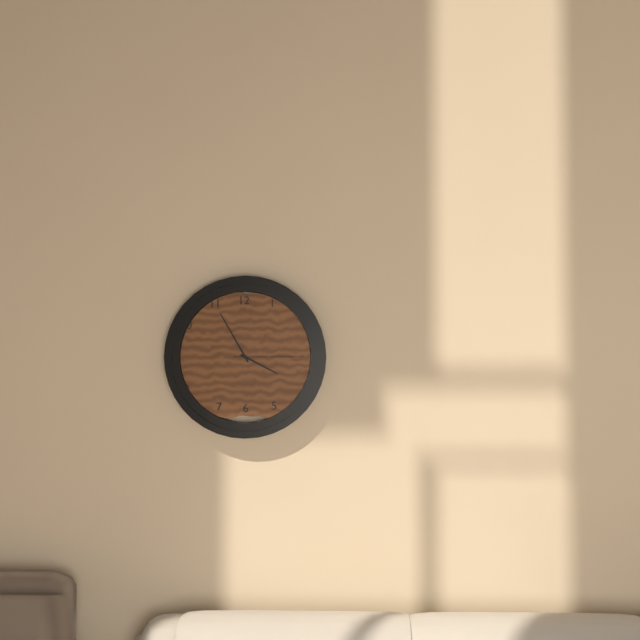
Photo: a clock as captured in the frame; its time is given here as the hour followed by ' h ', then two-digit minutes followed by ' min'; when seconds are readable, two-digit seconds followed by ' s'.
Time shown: 3 h 55 min 15 s
